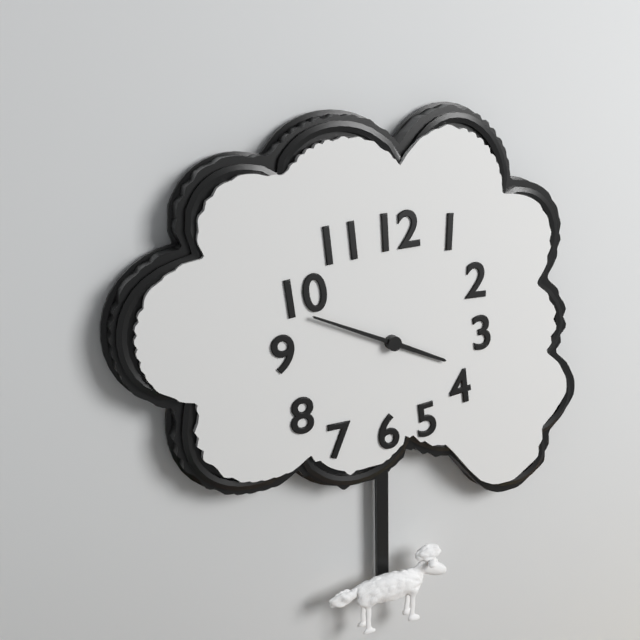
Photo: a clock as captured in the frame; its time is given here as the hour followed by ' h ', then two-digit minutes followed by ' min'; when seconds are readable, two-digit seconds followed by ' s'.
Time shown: 3 h 49 min
